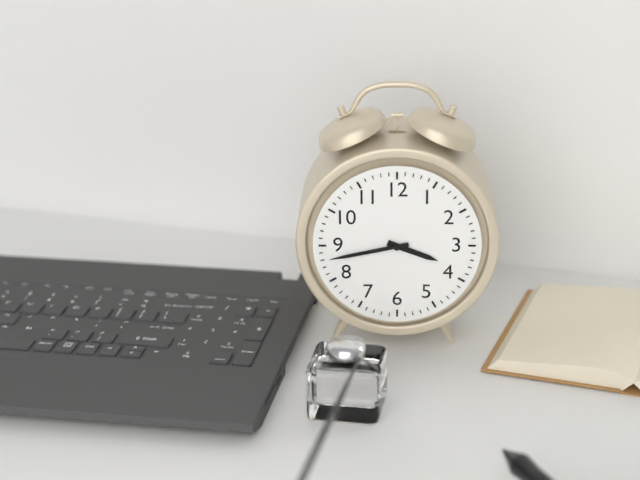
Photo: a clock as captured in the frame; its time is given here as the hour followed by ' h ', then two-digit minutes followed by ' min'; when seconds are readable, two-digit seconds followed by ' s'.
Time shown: 3 h 43 min
